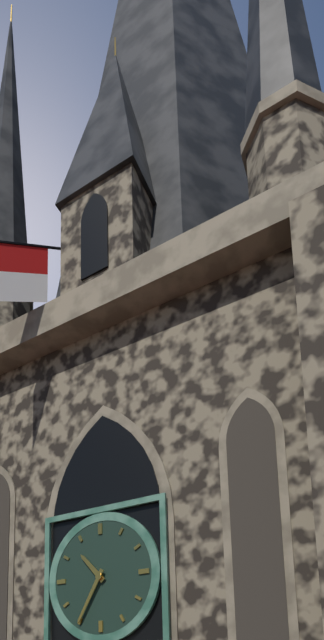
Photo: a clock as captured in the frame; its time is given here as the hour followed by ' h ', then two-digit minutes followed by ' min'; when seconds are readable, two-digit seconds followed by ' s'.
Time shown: 10 h 35 min
